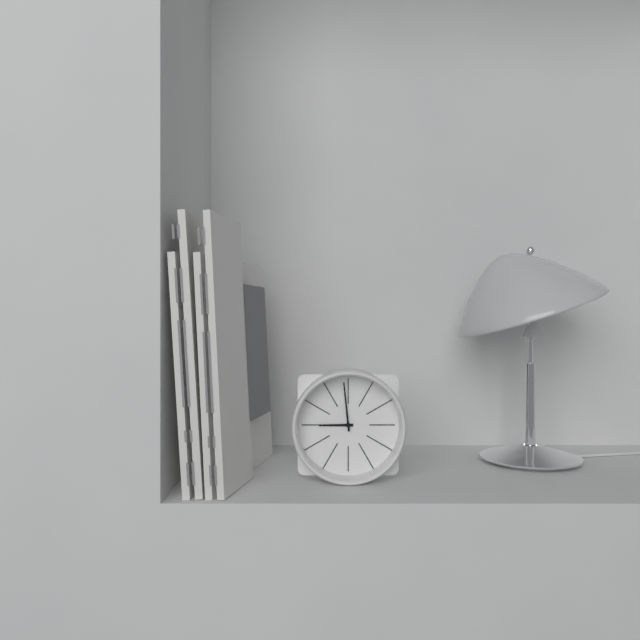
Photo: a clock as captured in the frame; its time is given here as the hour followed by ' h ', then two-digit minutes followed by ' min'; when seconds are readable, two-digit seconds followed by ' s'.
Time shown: 8 h 59 min
